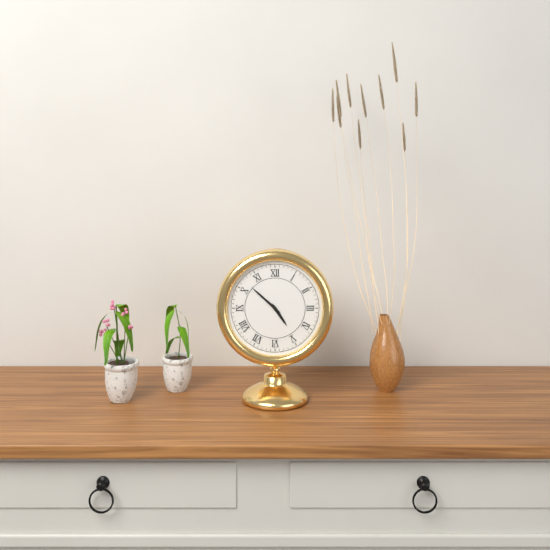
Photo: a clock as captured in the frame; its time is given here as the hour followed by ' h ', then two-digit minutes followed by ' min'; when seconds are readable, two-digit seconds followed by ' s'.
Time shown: 4 h 52 min
